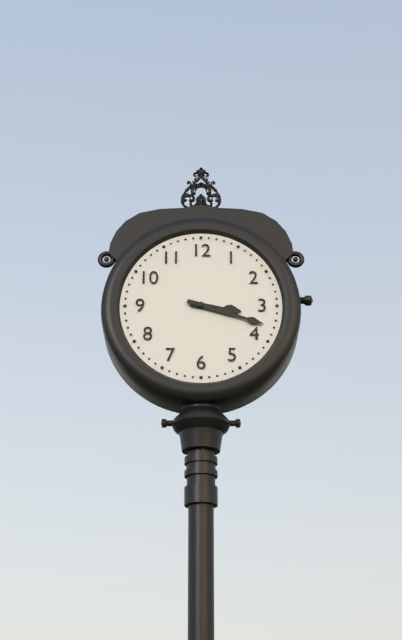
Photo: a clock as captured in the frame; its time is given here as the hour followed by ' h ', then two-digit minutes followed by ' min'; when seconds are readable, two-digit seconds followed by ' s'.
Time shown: 3 h 18 min
